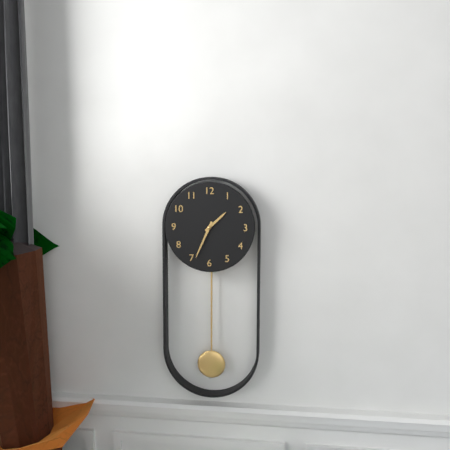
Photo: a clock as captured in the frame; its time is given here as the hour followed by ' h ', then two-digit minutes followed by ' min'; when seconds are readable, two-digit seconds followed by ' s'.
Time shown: 1 h 34 min
